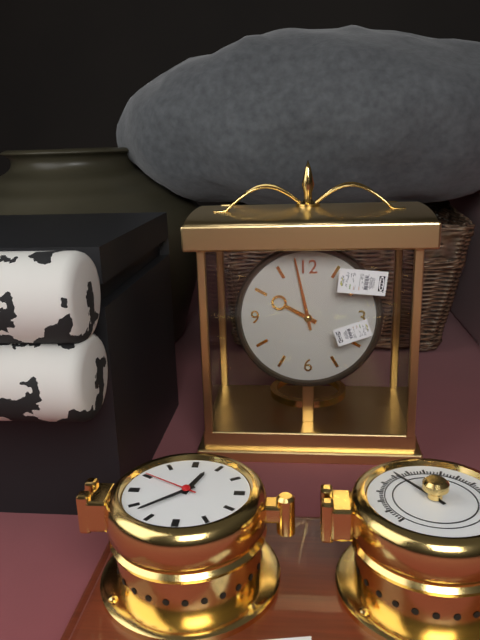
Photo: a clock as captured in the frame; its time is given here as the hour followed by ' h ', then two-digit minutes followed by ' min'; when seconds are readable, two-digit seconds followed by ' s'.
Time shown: 9 h 58 min
